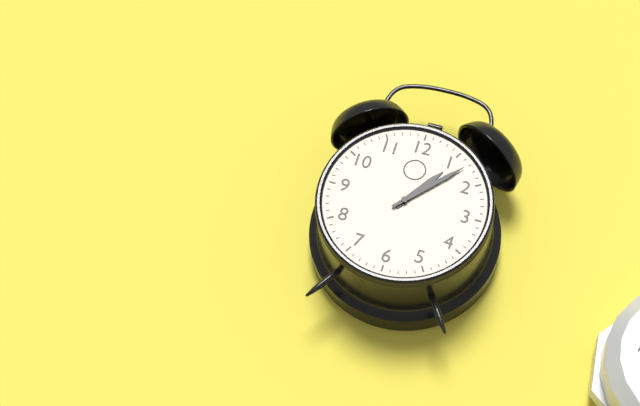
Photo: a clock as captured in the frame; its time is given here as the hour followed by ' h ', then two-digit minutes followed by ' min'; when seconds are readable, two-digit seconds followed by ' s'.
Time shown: 1 h 07 min
